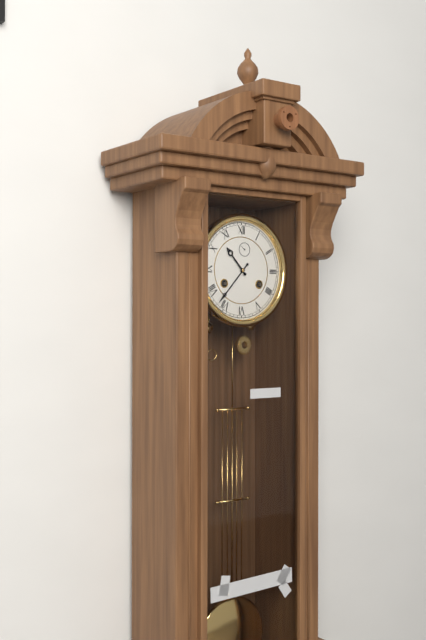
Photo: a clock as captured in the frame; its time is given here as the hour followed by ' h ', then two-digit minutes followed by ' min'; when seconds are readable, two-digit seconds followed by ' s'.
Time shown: 10 h 37 min
